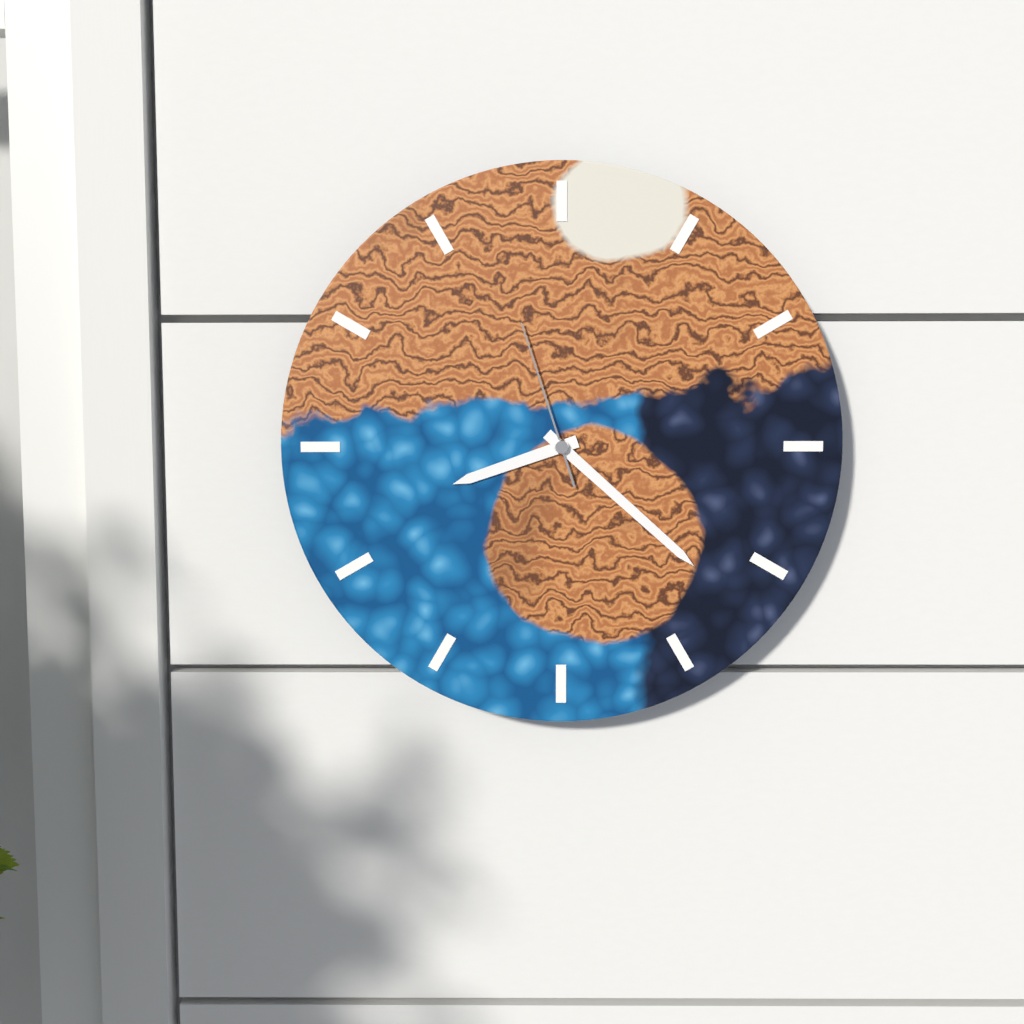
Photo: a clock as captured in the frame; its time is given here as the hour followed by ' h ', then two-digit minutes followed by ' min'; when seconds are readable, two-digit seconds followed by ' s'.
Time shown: 8 h 22 min 57 s
